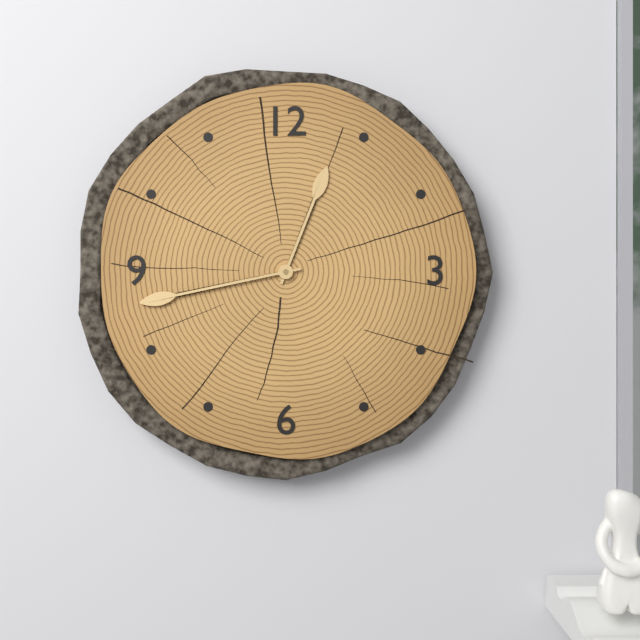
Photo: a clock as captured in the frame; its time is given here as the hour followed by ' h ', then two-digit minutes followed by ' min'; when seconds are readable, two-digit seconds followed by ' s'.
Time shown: 12 h 43 min
